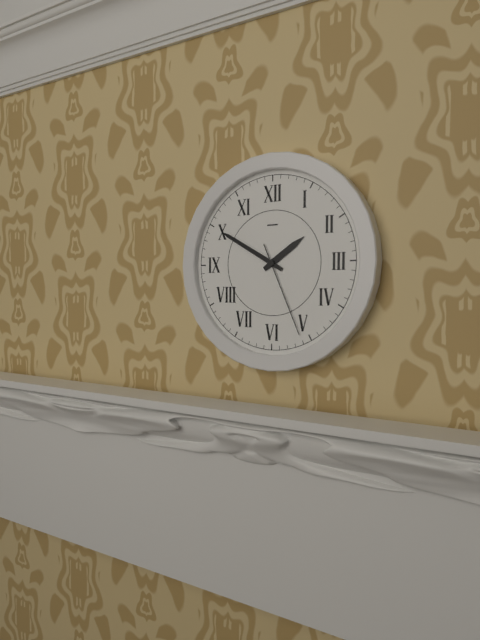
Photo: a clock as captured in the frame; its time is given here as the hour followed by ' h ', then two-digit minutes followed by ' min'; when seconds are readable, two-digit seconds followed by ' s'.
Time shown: 1 h 50 min 26 s
